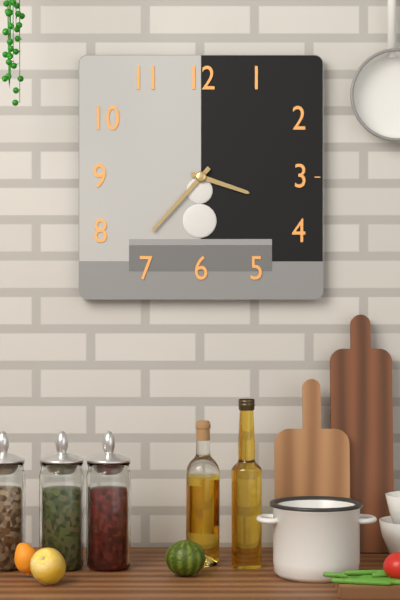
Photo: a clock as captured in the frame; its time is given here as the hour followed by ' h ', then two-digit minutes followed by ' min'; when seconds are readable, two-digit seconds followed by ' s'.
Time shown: 3 h 37 min
